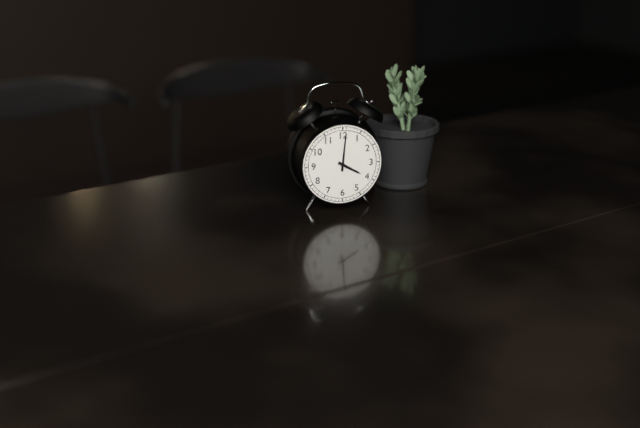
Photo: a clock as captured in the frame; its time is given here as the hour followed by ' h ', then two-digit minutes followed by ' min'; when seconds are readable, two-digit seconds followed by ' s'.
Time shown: 4 h 01 min
